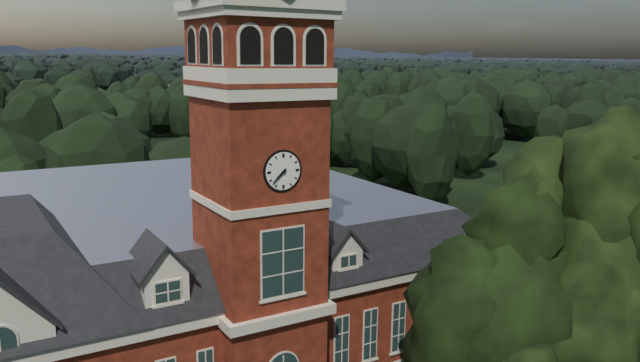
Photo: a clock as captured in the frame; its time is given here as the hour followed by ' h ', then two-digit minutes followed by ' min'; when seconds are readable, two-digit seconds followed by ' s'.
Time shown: 7 h 38 min
